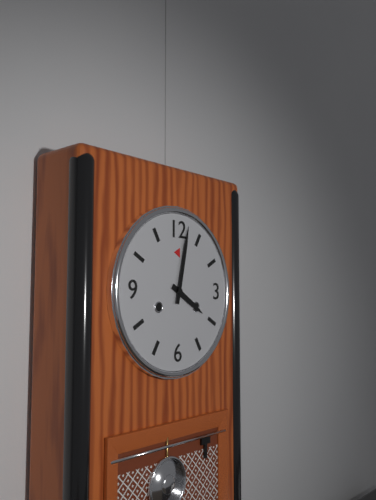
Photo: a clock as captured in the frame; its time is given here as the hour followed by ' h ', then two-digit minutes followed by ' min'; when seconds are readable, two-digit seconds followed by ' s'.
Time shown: 4 h 02 min
